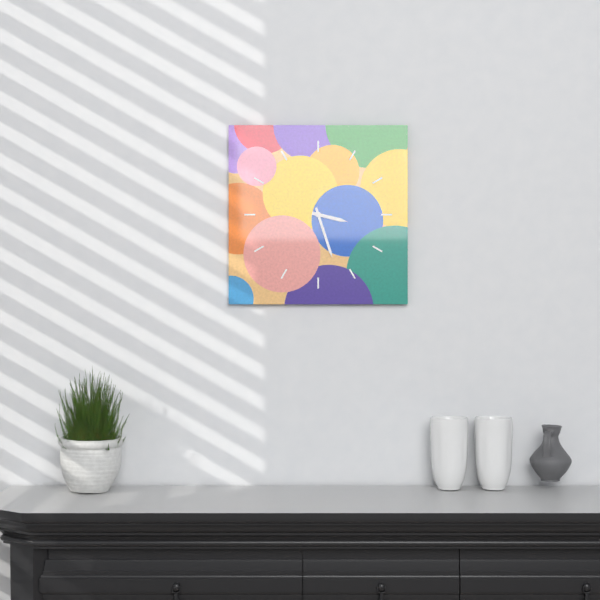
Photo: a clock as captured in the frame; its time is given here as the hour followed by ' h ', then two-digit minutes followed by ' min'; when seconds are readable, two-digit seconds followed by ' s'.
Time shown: 3 h 27 min
